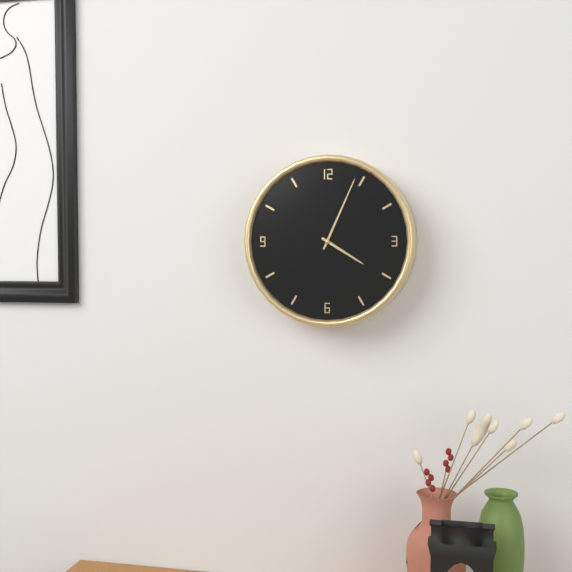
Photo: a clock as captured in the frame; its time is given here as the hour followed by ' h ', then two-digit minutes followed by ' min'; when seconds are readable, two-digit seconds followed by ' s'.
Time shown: 4 h 04 min
